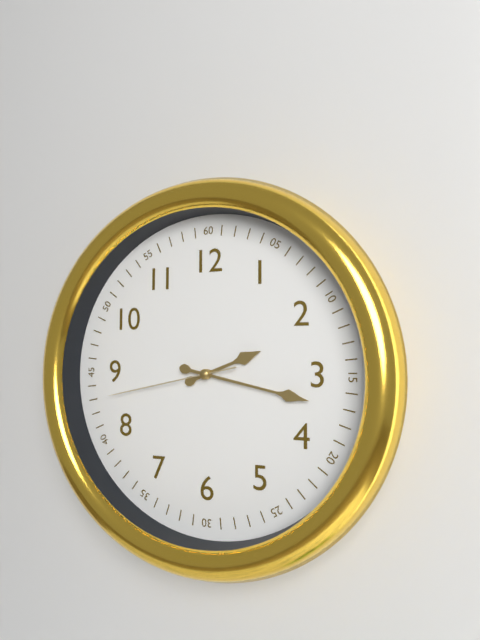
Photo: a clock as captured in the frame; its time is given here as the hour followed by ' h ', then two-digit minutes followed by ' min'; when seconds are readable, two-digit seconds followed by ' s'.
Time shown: 2 h 17 min 43 s
